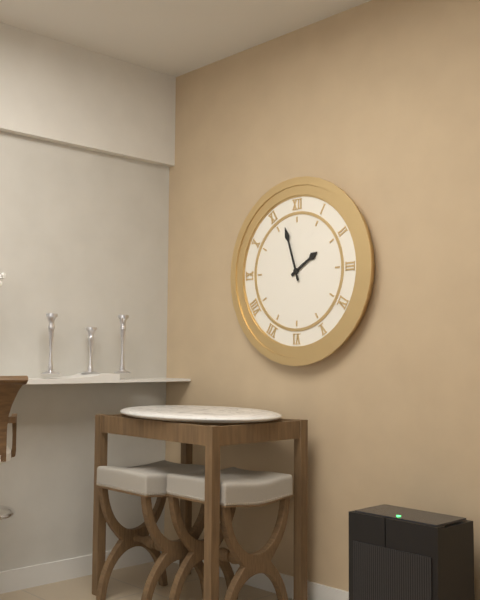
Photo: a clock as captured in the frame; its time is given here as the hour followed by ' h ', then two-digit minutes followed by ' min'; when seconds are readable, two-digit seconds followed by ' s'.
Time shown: 1 h 57 min
